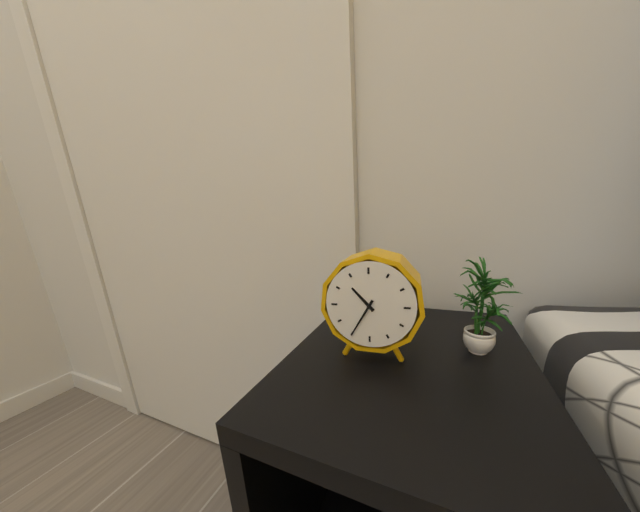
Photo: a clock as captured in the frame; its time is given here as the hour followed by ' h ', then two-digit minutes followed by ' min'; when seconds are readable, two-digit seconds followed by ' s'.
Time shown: 10 h 35 min
